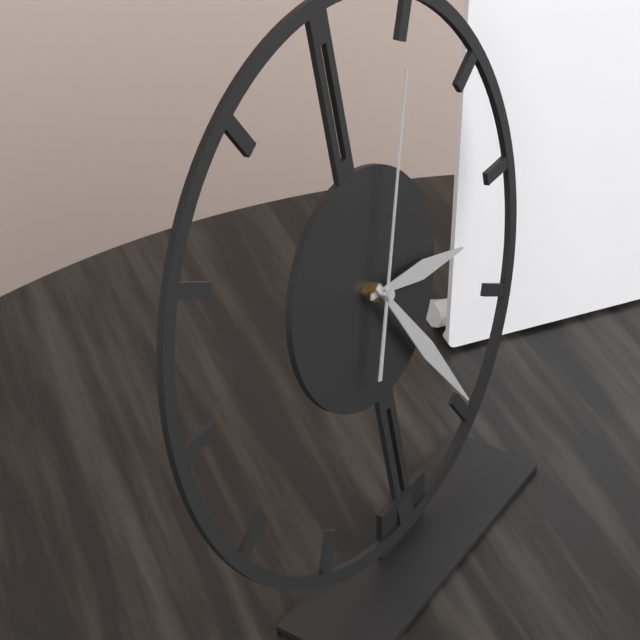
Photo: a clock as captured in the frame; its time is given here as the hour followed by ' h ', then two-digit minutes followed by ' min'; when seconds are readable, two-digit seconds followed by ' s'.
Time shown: 3 h 25 min 04 s
